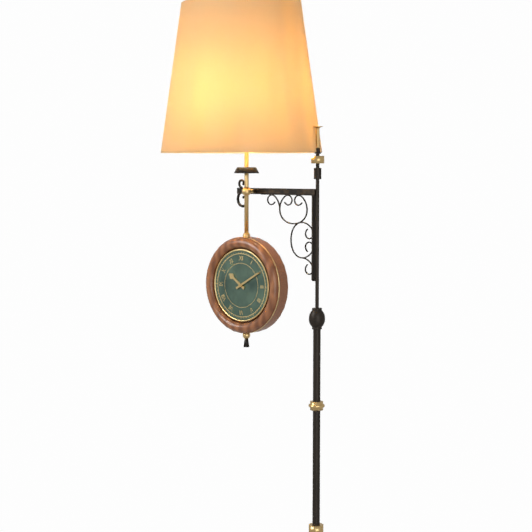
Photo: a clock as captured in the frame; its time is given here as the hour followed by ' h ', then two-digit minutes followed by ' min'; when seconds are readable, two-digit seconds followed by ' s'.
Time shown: 10 h 10 min
